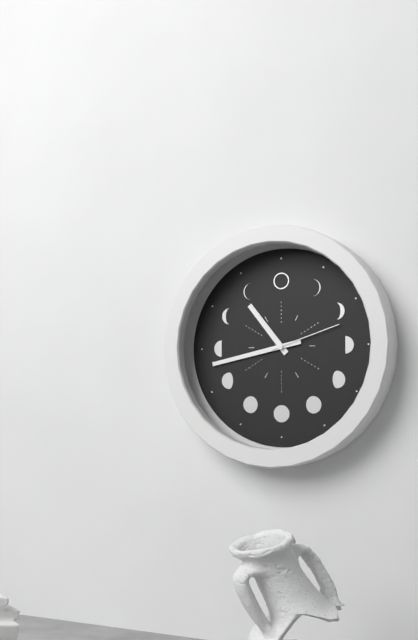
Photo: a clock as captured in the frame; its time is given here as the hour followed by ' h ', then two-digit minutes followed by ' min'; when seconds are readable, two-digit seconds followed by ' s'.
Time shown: 10 h 43 min 12 s
